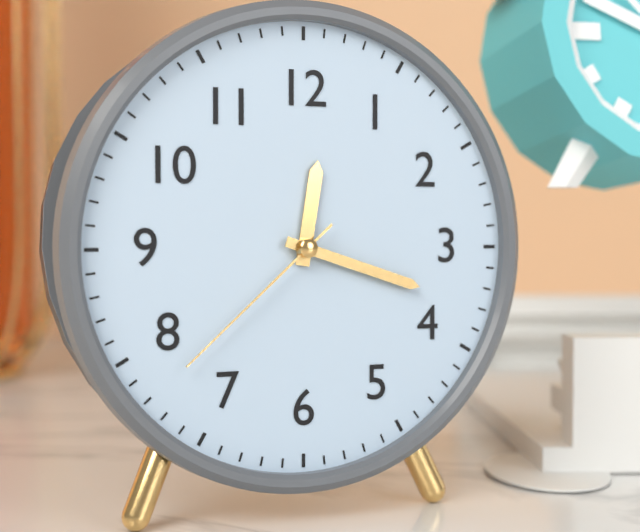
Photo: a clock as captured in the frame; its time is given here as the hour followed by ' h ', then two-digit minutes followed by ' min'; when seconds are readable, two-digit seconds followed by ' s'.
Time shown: 12 h 18 min 38 s
